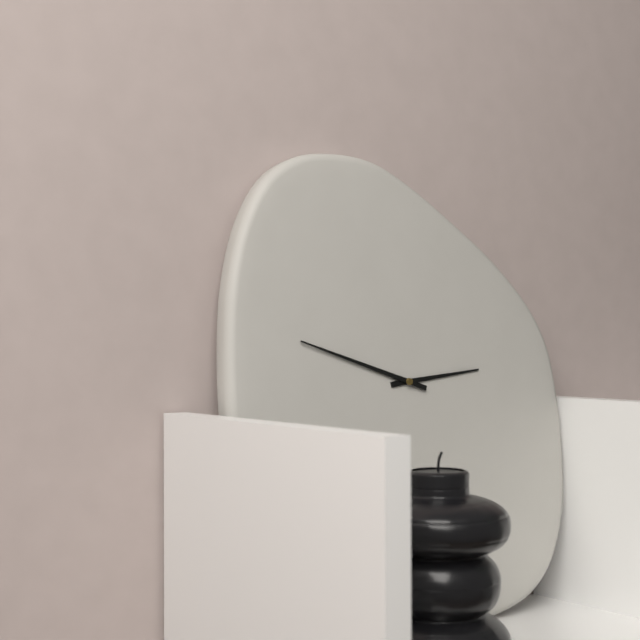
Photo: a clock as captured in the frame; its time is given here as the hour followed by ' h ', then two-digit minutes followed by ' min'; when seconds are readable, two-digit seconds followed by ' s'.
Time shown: 2 h 48 min
